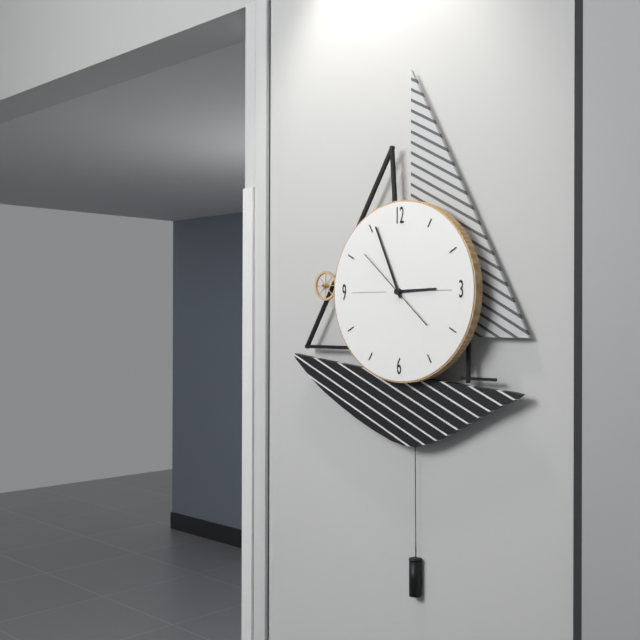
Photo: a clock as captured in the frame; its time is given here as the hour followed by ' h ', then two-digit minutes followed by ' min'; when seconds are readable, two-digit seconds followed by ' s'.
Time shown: 2 h 56 min 52 s
